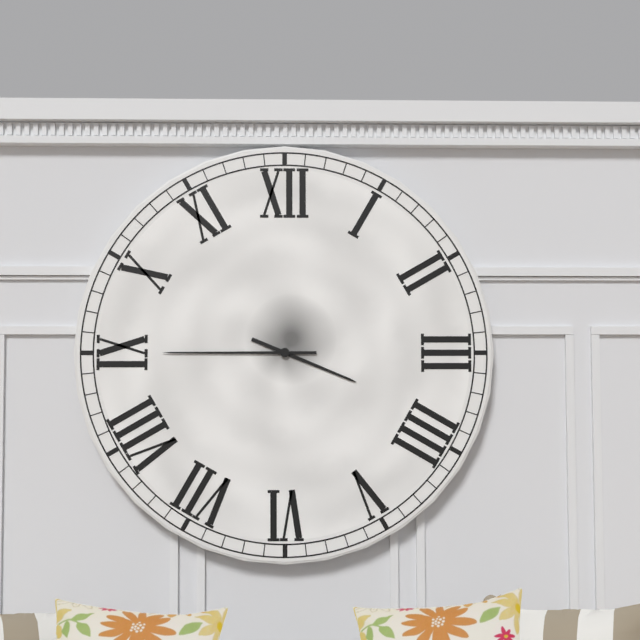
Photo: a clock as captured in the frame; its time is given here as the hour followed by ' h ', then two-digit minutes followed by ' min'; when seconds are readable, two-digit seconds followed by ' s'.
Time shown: 3 h 45 min
